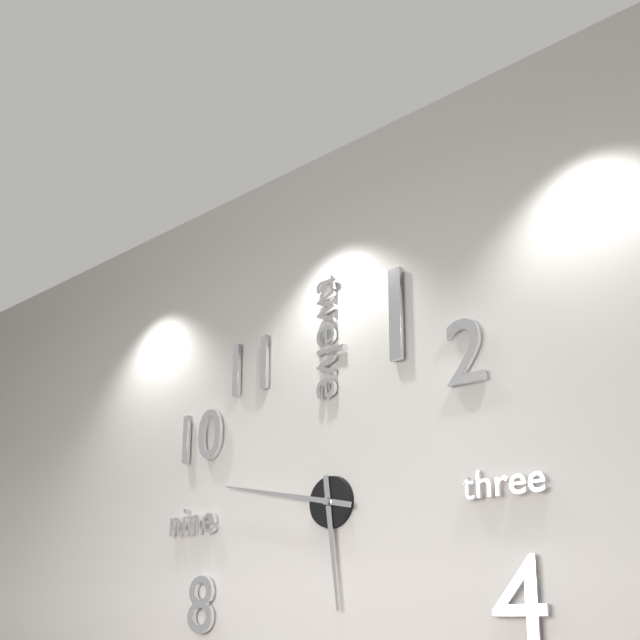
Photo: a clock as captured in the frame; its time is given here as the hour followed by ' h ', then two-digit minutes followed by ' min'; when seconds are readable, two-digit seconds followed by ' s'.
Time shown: 5 h 47 min
